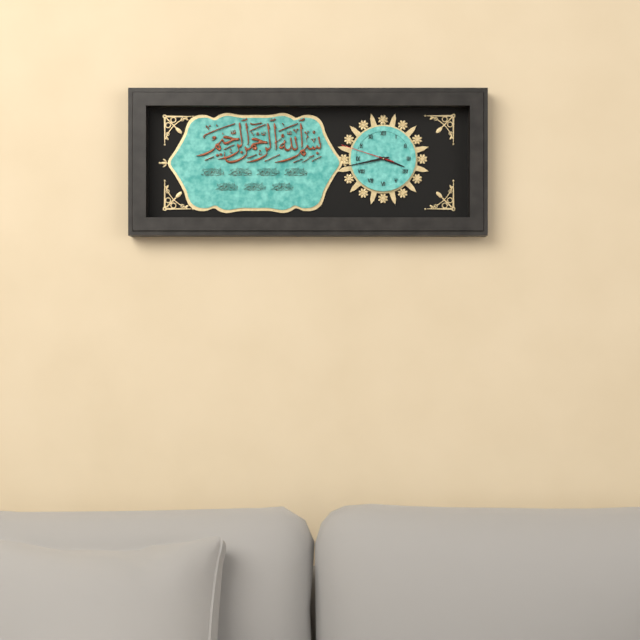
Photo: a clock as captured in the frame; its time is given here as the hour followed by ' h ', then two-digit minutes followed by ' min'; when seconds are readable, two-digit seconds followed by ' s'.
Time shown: 3 h 43 min 48 s
